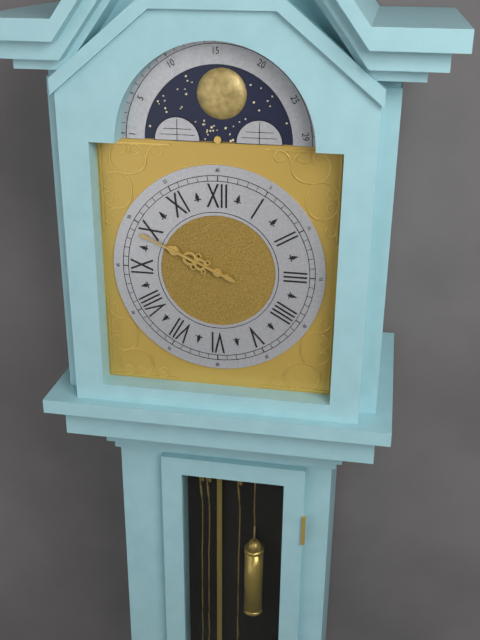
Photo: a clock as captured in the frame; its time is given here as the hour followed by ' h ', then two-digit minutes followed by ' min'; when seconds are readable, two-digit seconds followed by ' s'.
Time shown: 9 h 49 min
